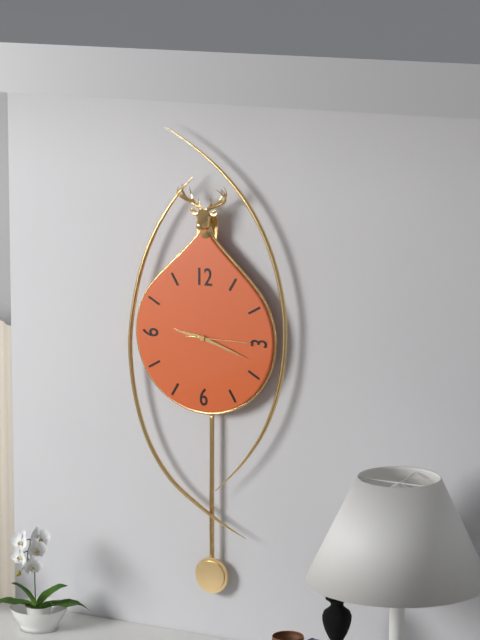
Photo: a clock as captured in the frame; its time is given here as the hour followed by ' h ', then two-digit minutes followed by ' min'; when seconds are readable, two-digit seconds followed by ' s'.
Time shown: 9 h 18 min 15 s
